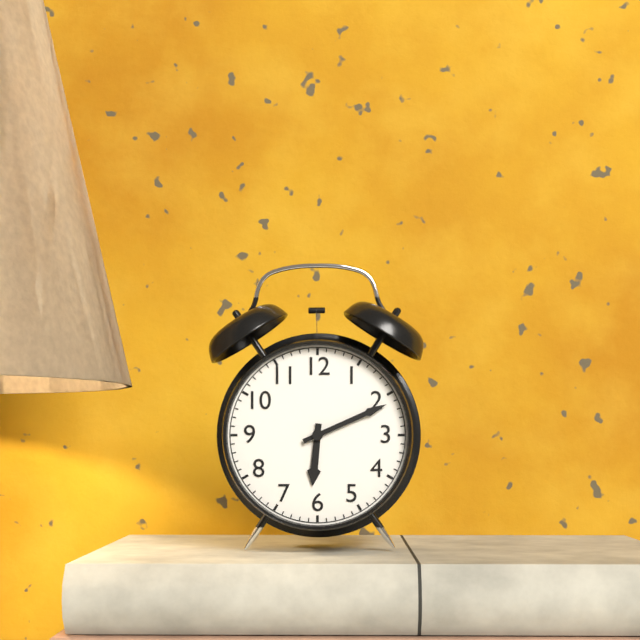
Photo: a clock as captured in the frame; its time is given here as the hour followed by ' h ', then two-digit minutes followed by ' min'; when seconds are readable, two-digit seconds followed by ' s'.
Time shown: 6 h 11 min
